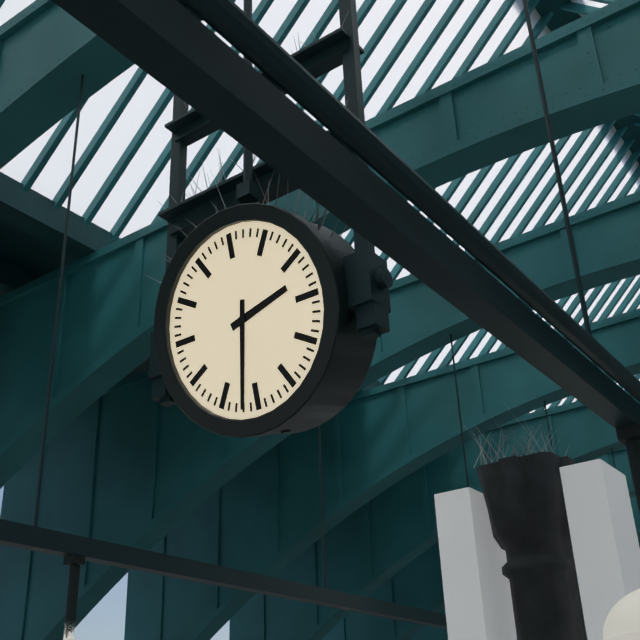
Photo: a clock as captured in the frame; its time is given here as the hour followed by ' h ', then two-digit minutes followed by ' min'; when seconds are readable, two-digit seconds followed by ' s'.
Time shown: 2 h 32 min
